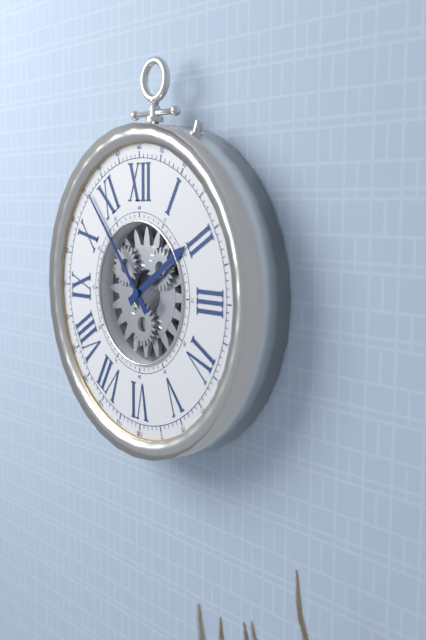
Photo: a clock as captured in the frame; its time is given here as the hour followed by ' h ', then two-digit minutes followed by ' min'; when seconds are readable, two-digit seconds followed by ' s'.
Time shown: 1 h 53 min
